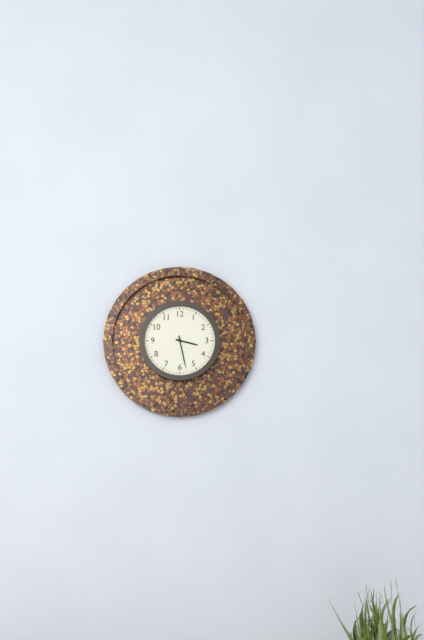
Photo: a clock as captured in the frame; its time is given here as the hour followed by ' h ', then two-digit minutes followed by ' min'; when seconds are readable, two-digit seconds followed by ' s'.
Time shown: 3 h 28 min
